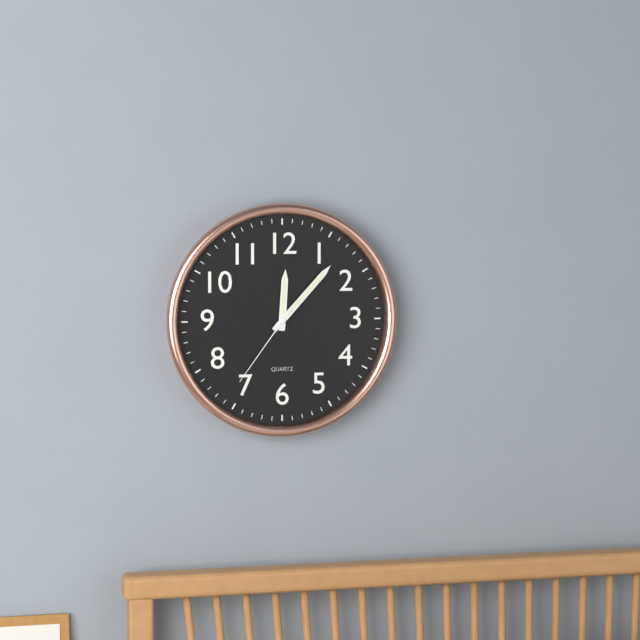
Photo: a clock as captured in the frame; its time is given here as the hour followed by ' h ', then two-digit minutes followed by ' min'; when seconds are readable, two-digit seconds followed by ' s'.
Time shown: 12 h 07 min 36 s
